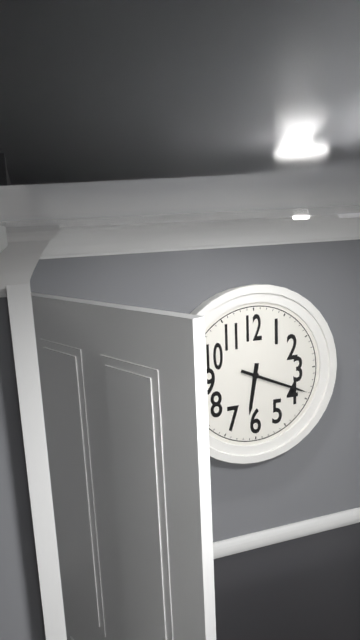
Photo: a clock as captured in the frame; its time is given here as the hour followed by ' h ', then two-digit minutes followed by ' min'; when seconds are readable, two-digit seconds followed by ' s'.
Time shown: 6 h 19 min
